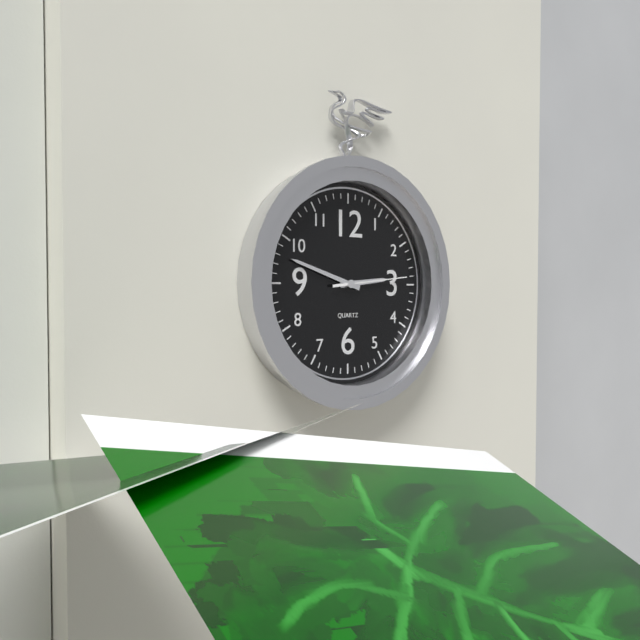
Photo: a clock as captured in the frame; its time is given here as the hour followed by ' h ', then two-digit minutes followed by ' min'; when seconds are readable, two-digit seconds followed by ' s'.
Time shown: 2 h 48 min 14 s
